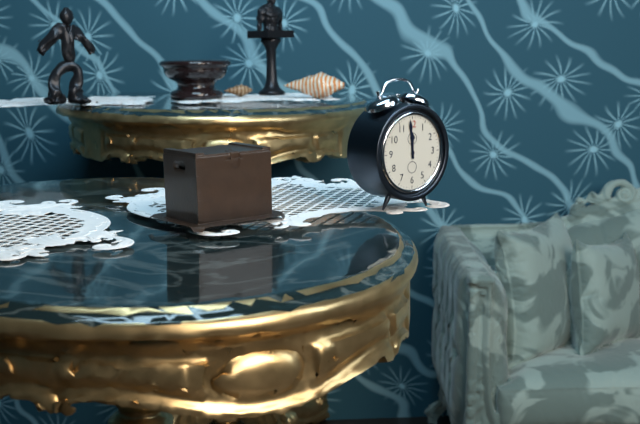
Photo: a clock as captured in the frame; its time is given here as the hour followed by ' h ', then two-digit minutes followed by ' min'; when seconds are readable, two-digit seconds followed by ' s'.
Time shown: 11 h 59 min
